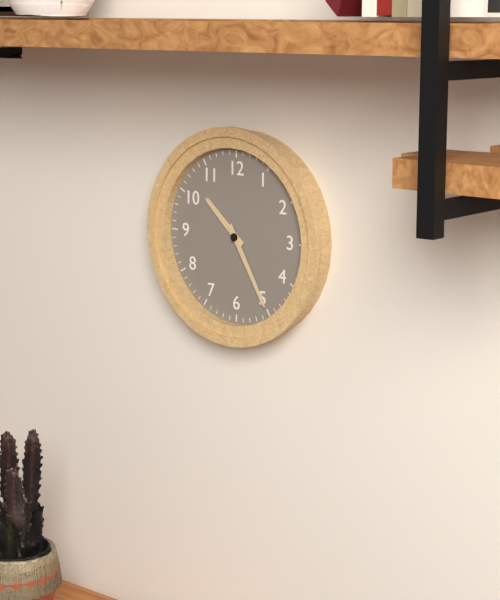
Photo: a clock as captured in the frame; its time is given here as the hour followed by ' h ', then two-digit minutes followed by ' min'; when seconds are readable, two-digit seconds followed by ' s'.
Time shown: 10 h 25 min
